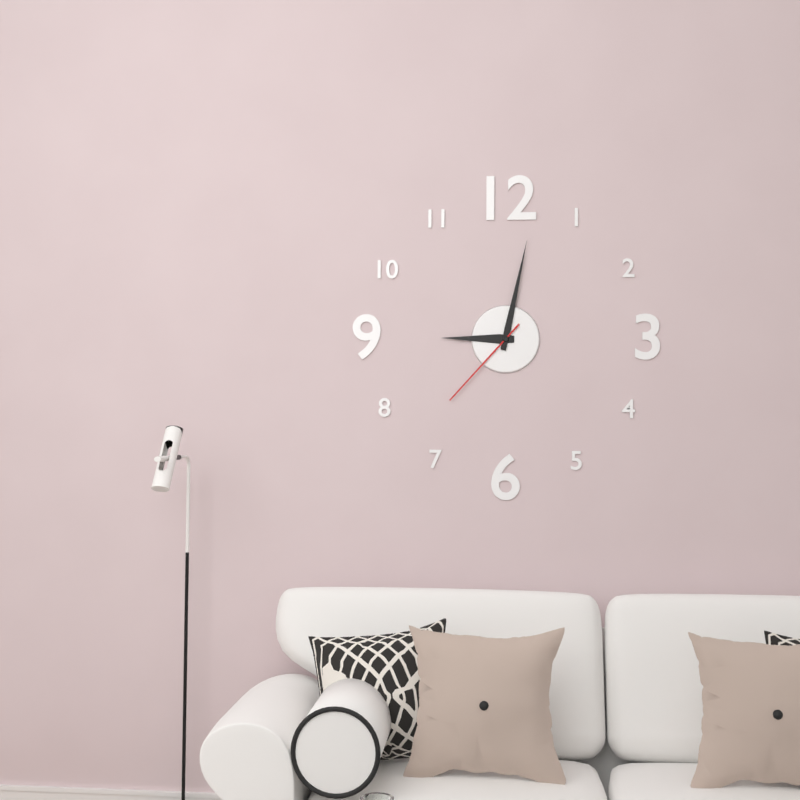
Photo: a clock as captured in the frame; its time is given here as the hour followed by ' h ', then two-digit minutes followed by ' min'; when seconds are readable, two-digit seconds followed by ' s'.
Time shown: 9 h 02 min 37 s
